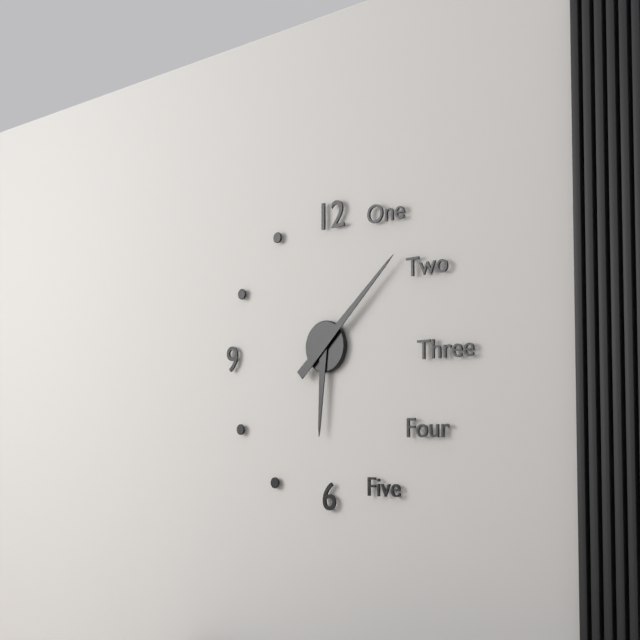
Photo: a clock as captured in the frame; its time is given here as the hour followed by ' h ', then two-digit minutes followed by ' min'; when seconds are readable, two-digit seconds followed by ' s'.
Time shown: 6 h 08 min
